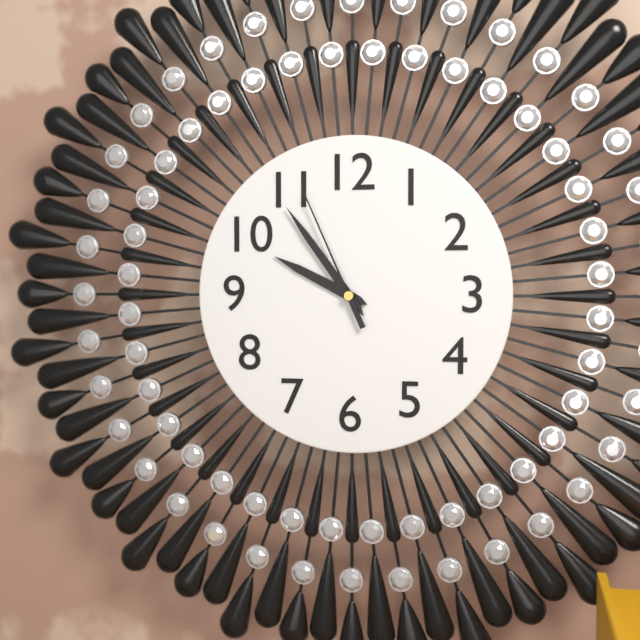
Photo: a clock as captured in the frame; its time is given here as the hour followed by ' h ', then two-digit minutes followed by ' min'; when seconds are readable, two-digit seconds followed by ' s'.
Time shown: 9 h 54 min 56 s
